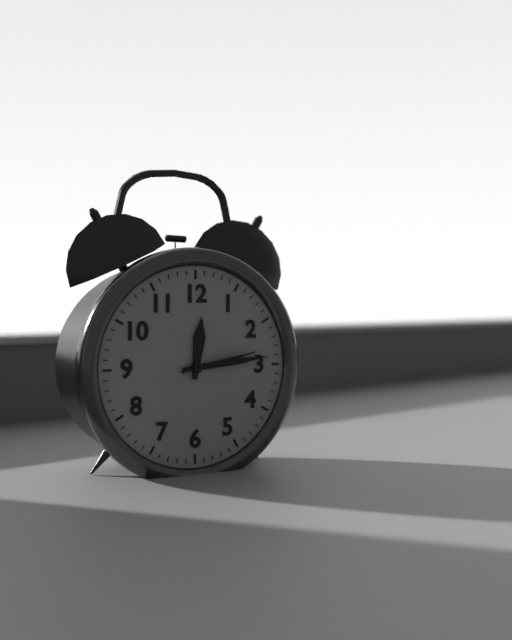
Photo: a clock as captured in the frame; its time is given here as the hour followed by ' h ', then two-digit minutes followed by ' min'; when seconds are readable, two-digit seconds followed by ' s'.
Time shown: 12 h 14 min 13 s
